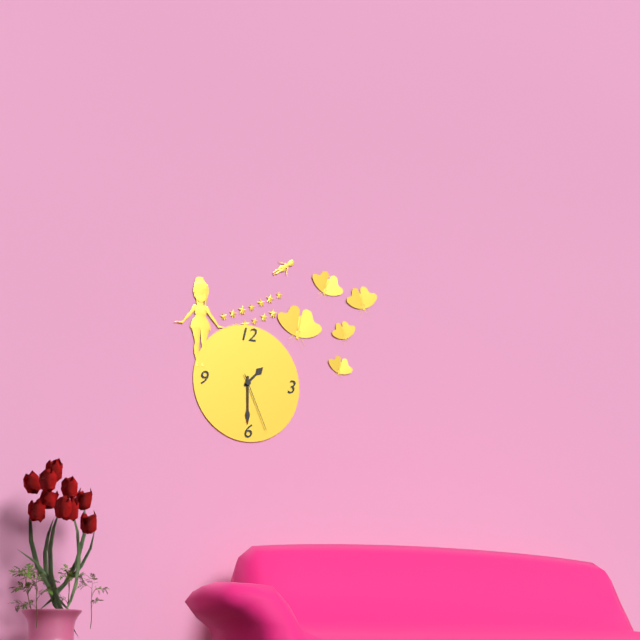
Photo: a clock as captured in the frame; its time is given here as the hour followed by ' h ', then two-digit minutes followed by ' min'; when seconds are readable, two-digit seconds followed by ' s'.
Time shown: 1 h 30 min 26 s
